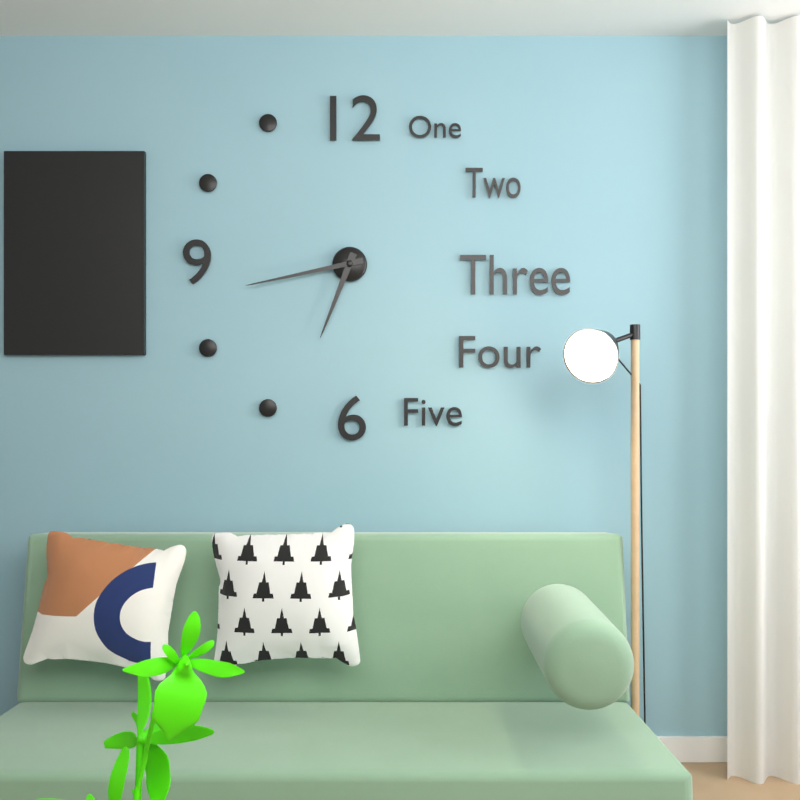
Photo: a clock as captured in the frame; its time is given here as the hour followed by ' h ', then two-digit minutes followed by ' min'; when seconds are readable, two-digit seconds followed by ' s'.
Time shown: 6 h 43 min
